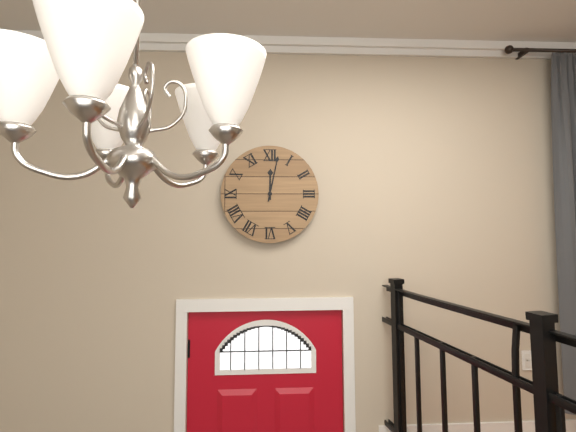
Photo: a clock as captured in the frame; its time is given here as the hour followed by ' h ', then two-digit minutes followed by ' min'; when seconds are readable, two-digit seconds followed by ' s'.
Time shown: 12 h 02 min
